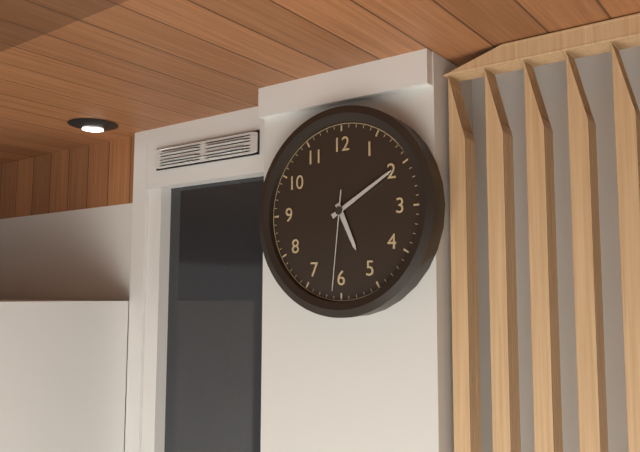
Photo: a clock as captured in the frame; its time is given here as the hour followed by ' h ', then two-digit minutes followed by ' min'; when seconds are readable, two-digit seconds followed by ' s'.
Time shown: 5 h 10 min 31 s
